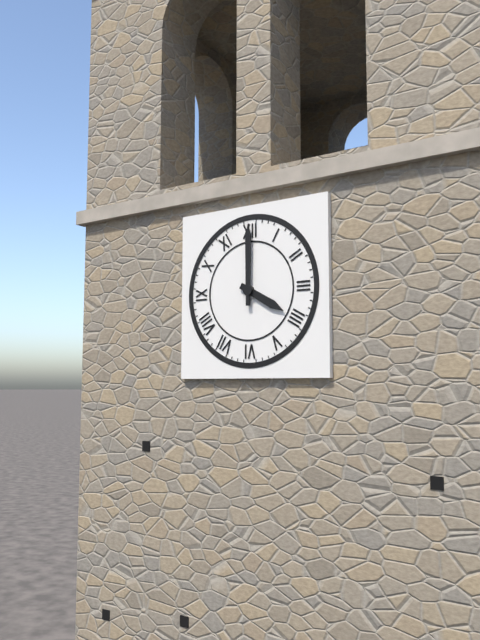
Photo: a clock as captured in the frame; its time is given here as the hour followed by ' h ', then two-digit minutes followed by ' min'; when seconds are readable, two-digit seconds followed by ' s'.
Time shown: 4 h 00 min
